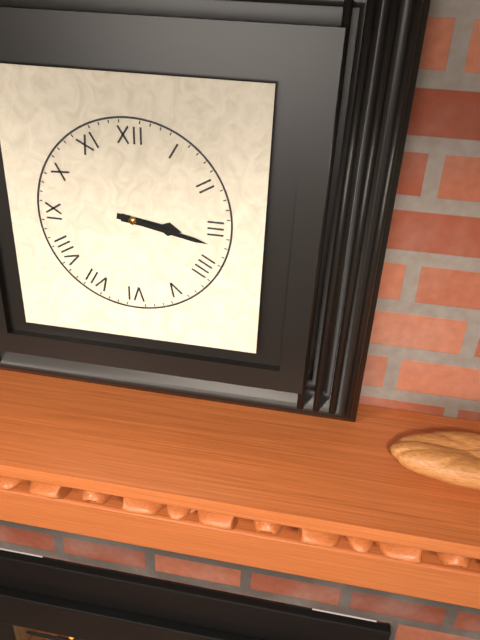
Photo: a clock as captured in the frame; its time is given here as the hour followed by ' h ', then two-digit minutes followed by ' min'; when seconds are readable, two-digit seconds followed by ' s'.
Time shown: 3 h 17 min
